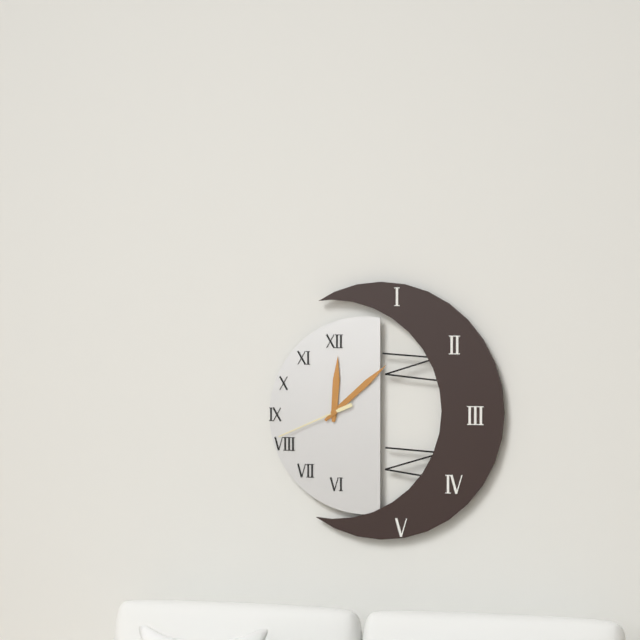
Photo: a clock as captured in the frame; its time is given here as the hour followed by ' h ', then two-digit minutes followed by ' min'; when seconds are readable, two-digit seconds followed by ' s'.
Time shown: 12 h 08 min 41 s
